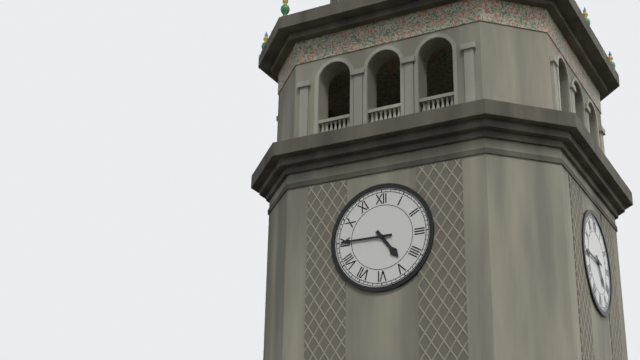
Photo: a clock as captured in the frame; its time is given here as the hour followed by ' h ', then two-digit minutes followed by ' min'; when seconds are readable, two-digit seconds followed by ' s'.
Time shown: 4 h 45 min
